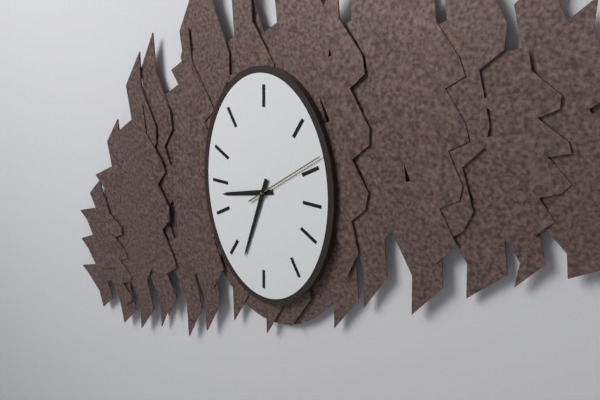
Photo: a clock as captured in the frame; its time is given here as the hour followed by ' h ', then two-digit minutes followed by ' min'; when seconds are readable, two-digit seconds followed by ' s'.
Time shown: 8 h 33 min 09 s
